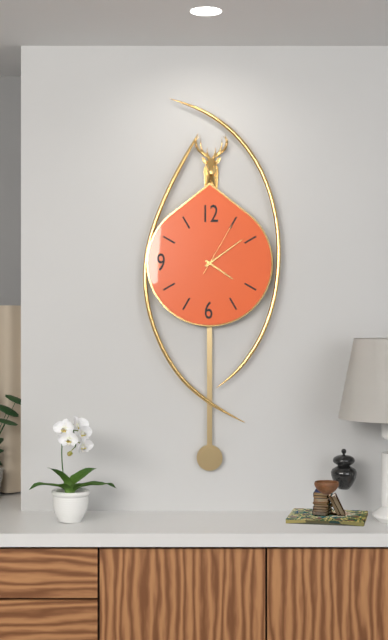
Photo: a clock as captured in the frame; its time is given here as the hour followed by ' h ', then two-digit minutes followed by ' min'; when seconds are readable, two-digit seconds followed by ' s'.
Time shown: 4 h 09 min 05 s
